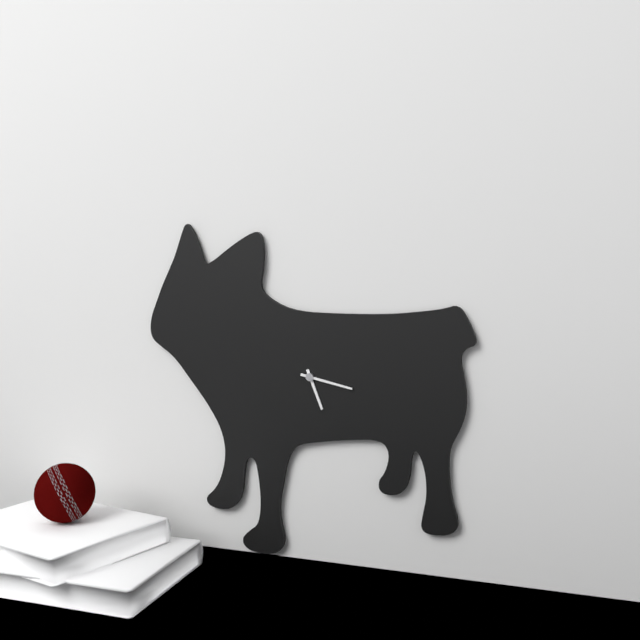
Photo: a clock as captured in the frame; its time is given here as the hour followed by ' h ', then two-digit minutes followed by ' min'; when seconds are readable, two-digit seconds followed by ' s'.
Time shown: 5 h 17 min
